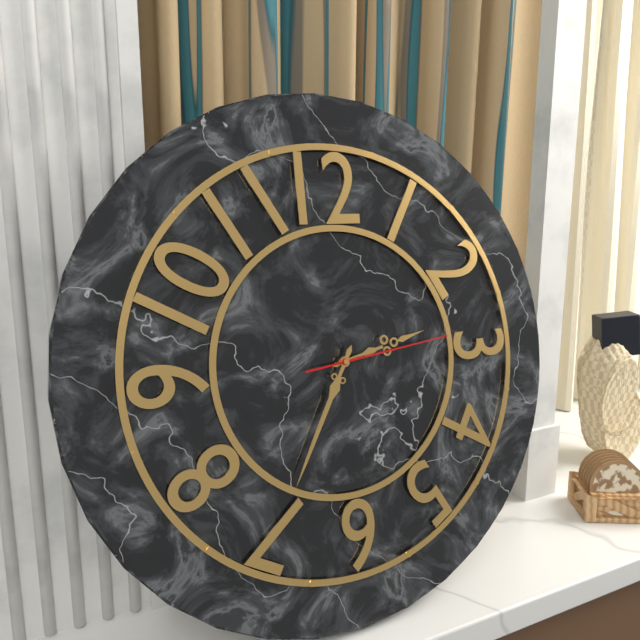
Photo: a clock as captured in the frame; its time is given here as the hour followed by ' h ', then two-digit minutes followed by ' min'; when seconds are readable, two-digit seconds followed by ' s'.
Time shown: 2 h 35 min 14 s
